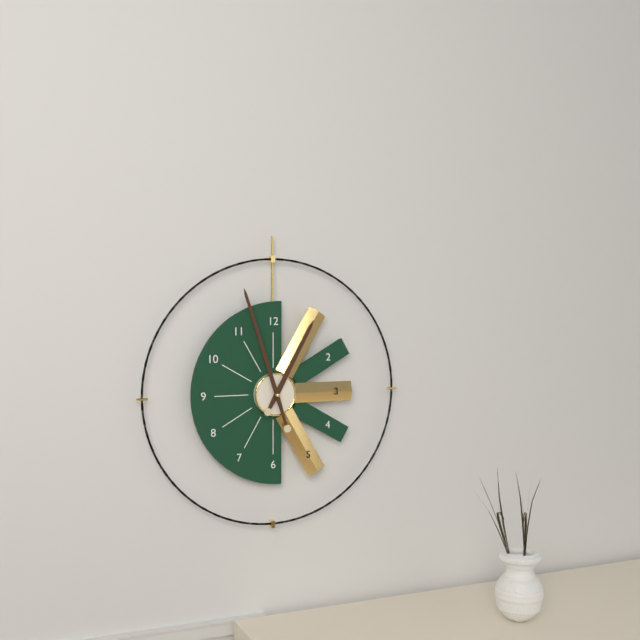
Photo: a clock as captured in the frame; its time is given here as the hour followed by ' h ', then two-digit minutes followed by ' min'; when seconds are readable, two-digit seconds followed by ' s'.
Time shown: 12 h 57 min
